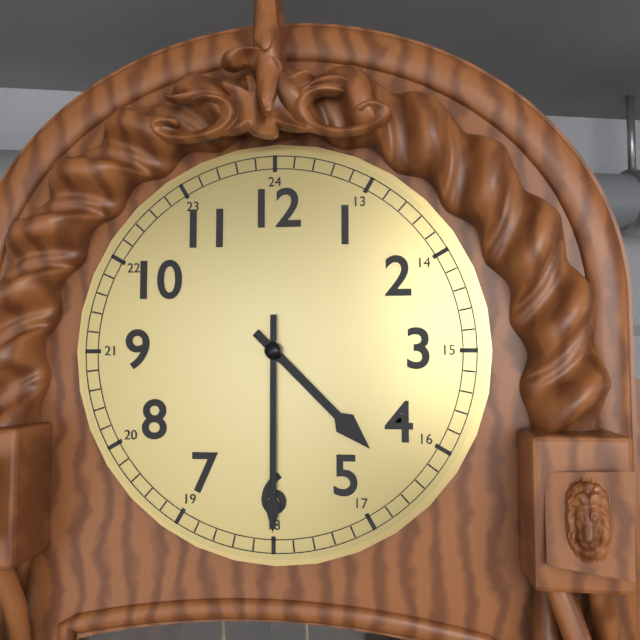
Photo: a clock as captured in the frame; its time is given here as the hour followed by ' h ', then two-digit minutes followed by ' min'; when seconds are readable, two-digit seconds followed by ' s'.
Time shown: 4 h 30 min
